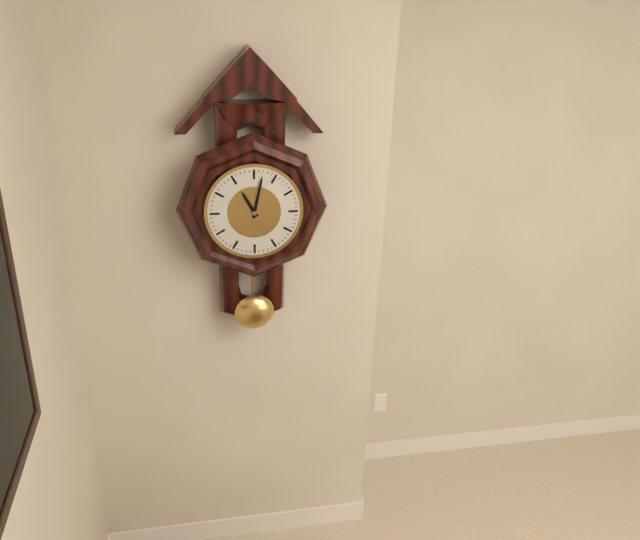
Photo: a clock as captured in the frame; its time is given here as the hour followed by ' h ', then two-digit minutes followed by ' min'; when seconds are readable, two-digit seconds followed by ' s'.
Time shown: 11 h 02 min
